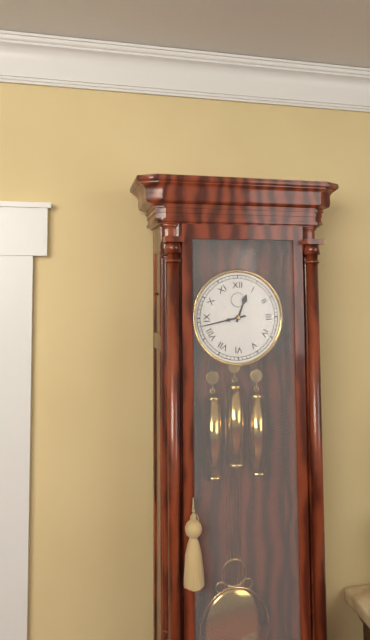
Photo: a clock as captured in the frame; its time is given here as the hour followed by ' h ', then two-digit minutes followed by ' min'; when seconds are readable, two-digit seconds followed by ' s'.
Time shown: 12 h 43 min
